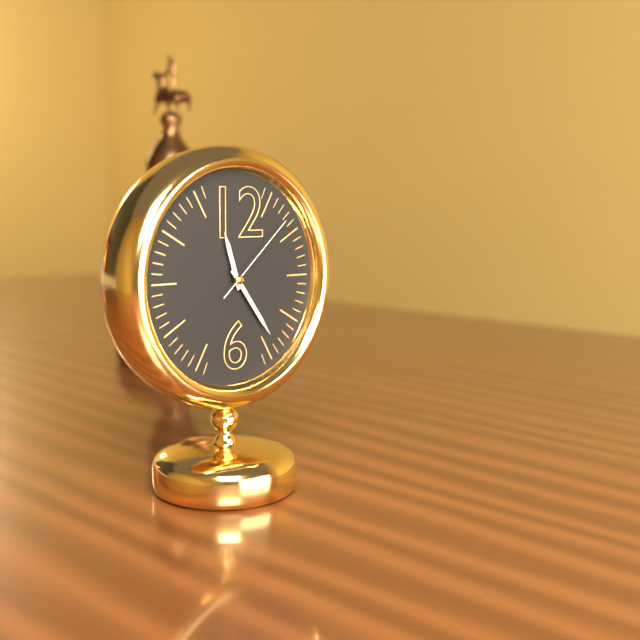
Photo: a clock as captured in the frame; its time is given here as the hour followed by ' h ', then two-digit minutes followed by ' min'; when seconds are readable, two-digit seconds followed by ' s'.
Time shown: 11 h 24 min 08 s
